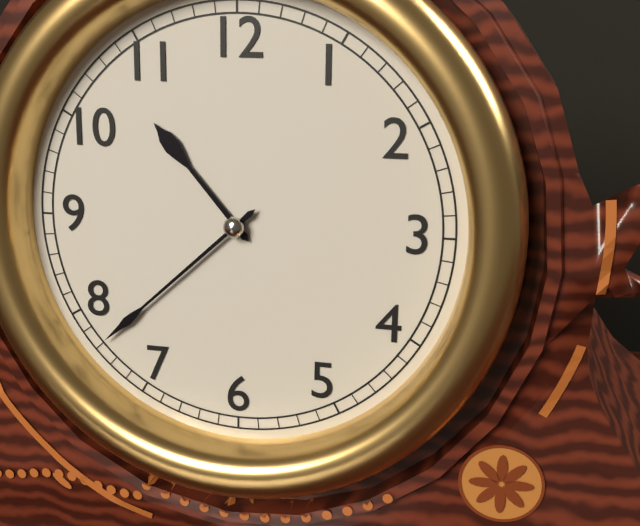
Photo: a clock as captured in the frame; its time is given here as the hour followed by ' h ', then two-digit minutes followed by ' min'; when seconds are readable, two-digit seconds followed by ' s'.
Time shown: 10 h 38 min
